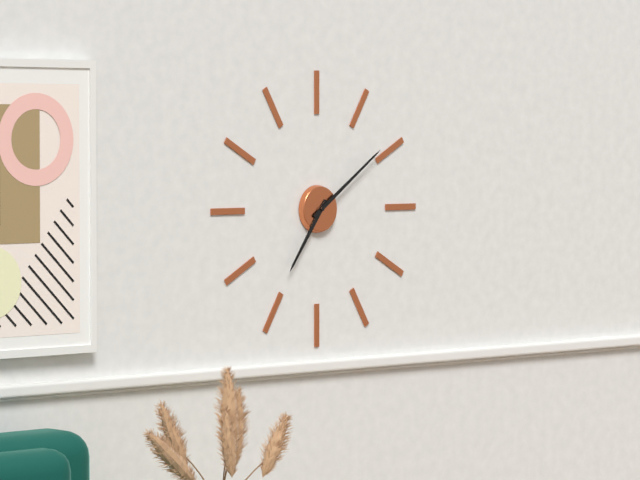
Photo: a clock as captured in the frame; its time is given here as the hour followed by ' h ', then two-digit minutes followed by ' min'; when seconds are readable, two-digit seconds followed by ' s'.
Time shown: 7 h 09 min
